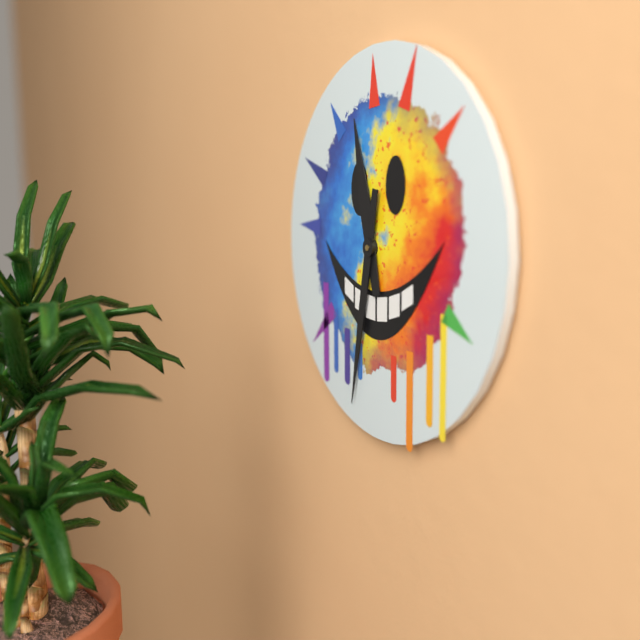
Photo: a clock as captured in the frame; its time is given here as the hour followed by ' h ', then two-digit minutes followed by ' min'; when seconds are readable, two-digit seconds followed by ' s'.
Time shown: 11 h 32 min
